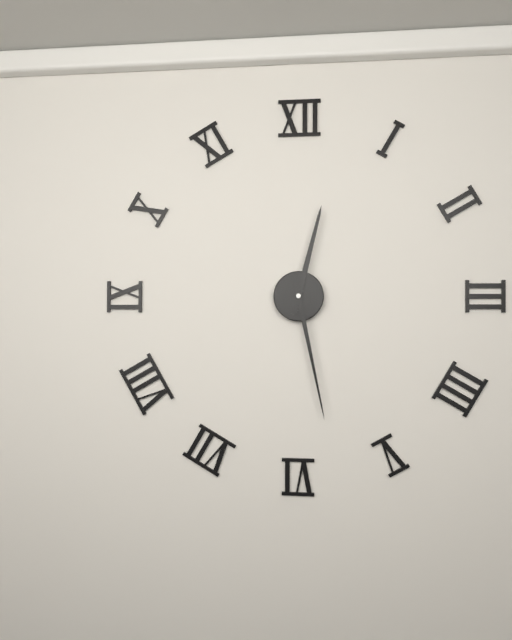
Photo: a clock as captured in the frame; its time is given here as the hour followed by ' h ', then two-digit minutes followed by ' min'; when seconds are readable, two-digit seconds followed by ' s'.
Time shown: 12 h 28 min
